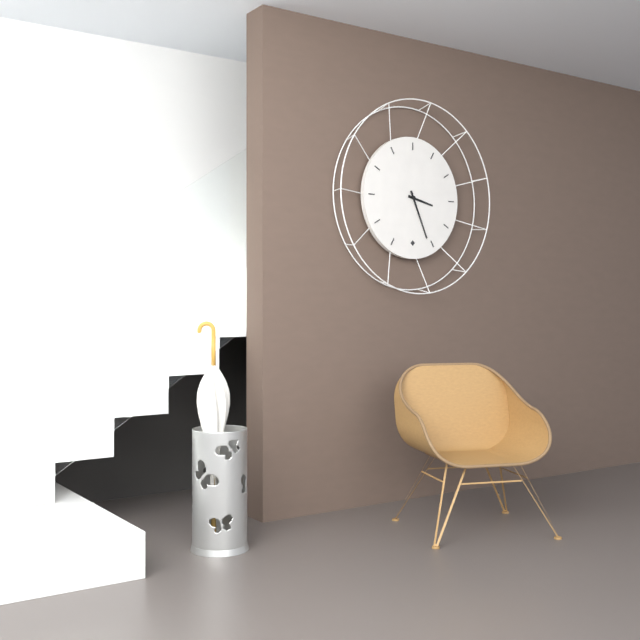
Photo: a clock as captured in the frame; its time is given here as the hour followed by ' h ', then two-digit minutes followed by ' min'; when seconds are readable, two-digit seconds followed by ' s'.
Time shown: 3 h 26 min
